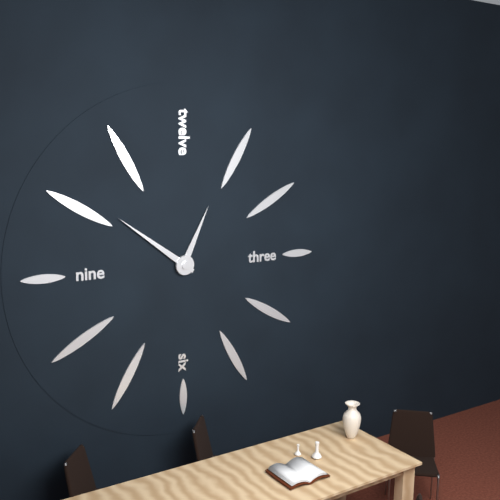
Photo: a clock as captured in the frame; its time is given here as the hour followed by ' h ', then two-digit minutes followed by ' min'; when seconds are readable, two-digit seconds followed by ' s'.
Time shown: 12 h 51 min
